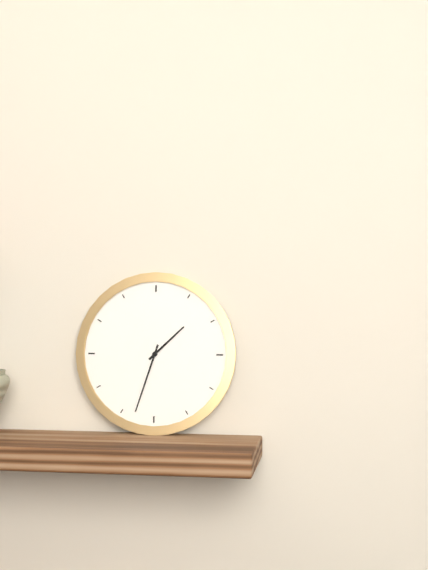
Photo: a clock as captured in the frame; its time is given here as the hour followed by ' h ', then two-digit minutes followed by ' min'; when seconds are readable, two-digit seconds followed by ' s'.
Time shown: 1 h 33 min
